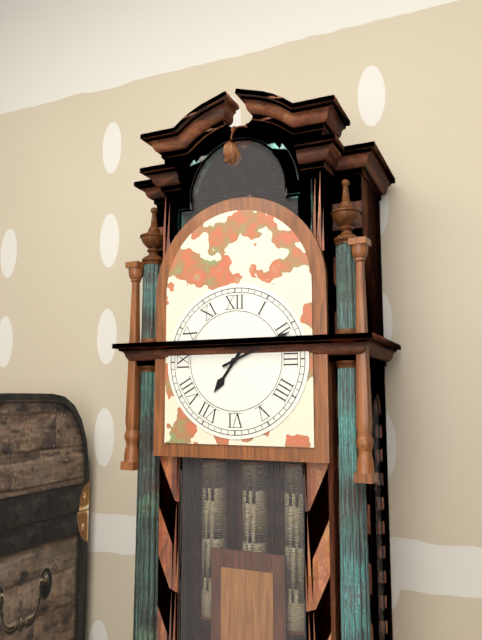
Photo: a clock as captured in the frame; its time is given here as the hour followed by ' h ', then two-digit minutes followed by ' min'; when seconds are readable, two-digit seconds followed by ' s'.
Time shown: 7 h 11 min
